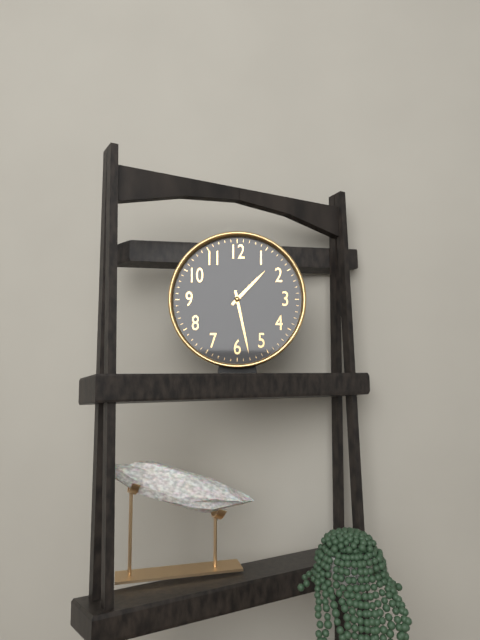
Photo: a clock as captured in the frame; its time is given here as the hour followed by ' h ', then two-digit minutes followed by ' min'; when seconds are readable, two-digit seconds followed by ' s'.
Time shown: 1 h 28 min
